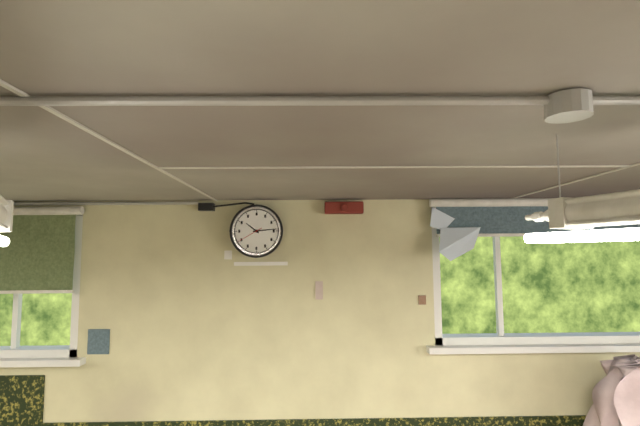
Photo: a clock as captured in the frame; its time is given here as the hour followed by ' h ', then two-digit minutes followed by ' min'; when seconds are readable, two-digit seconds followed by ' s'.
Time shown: 10 h 14 min
